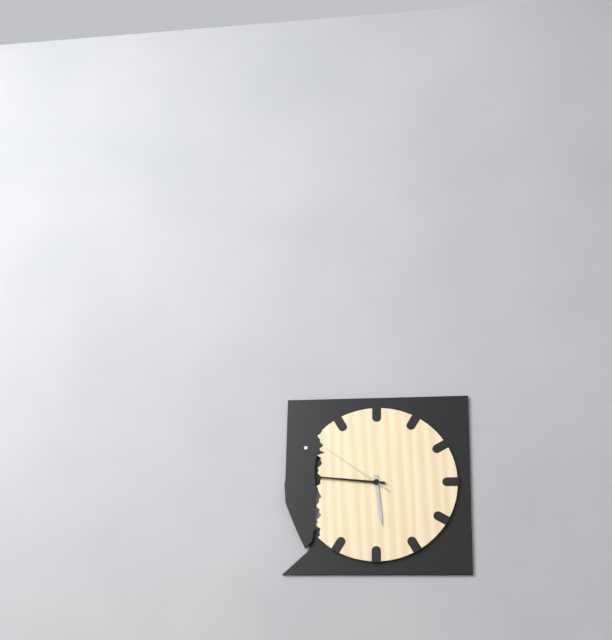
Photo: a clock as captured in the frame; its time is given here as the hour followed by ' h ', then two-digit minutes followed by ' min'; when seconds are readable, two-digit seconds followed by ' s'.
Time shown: 5 h 46 min 51 s
